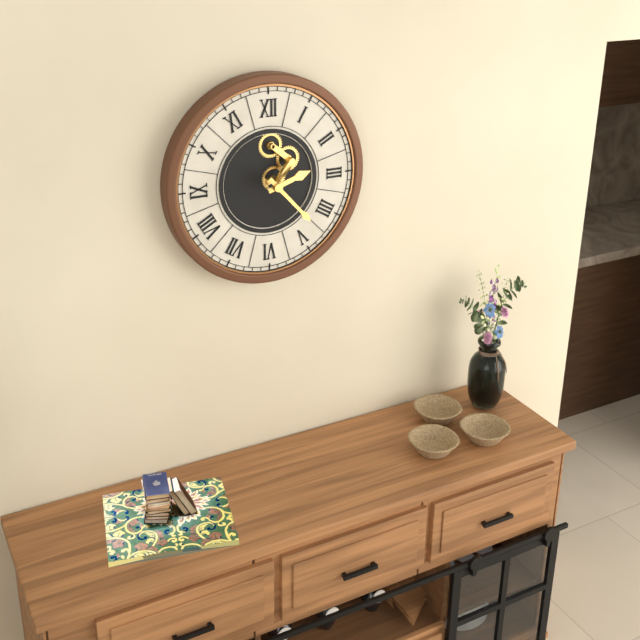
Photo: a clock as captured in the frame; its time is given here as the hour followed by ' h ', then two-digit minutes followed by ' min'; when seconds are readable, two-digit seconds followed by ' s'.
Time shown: 2 h 23 min
